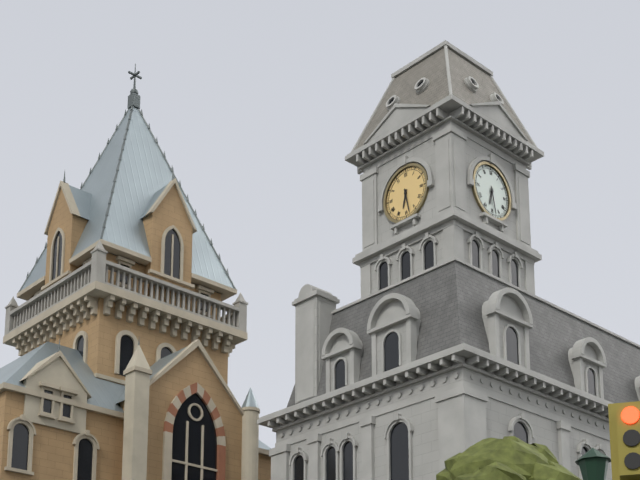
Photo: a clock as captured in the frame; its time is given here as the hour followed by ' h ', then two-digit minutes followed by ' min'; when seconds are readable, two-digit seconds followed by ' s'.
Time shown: 6 h 28 min
